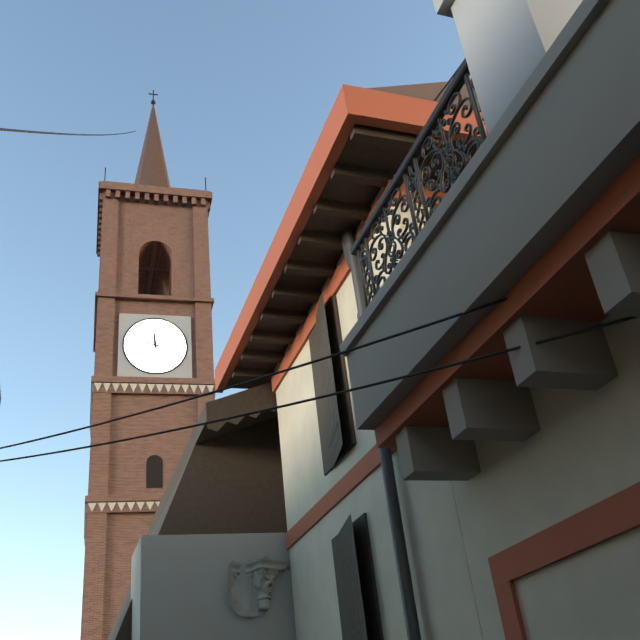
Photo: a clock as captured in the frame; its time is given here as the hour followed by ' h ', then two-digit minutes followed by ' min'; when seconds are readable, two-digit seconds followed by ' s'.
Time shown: 11 h 47 min
